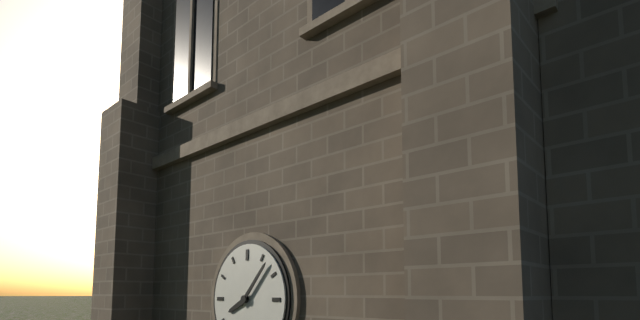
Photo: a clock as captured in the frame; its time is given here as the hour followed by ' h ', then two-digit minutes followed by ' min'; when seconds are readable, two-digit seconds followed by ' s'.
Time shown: 8 h 07 min
